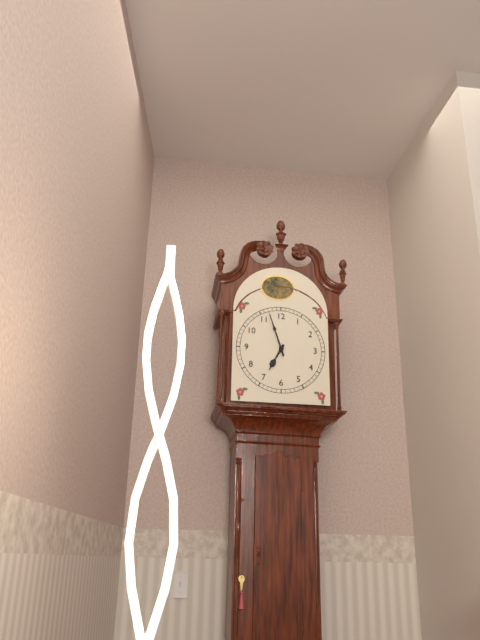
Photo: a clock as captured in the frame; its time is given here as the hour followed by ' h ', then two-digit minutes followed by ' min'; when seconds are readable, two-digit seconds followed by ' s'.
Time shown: 6 h 57 min
